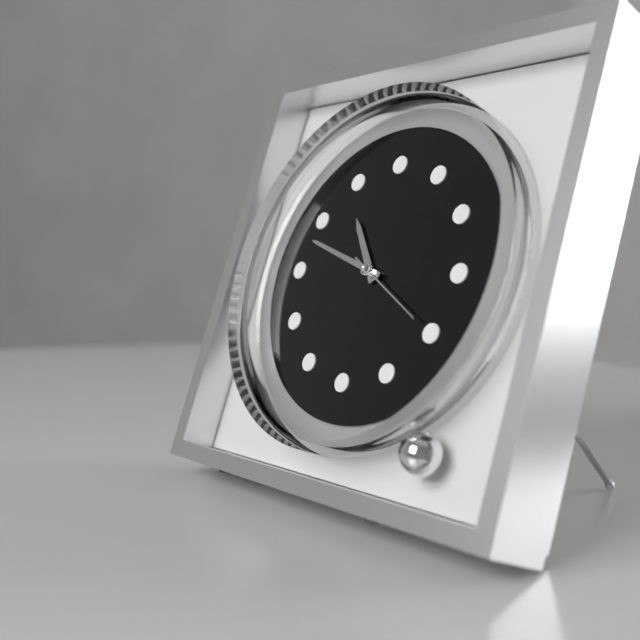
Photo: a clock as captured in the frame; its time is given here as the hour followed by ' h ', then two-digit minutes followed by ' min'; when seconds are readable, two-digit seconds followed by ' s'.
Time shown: 10 h 48 min 20 s
